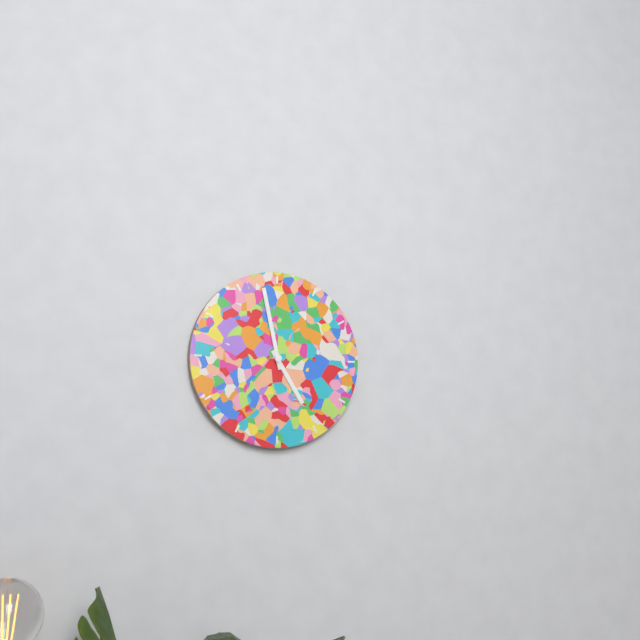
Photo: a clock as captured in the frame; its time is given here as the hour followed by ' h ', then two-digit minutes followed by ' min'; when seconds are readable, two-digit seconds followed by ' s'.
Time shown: 4 h 58 min
